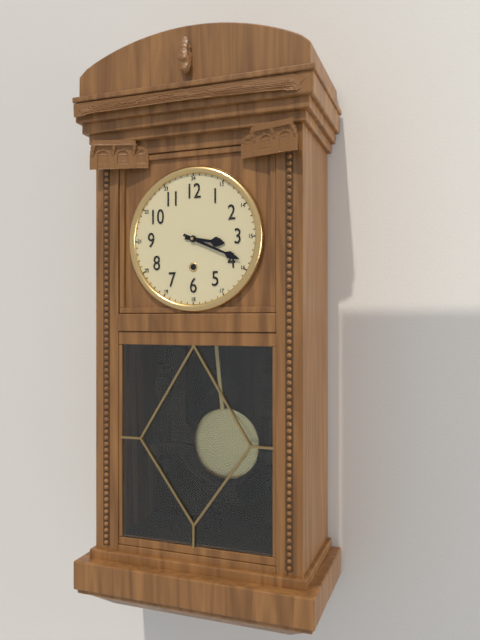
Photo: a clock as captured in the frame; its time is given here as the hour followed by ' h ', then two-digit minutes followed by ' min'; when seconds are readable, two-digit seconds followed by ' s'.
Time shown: 3 h 19 min
